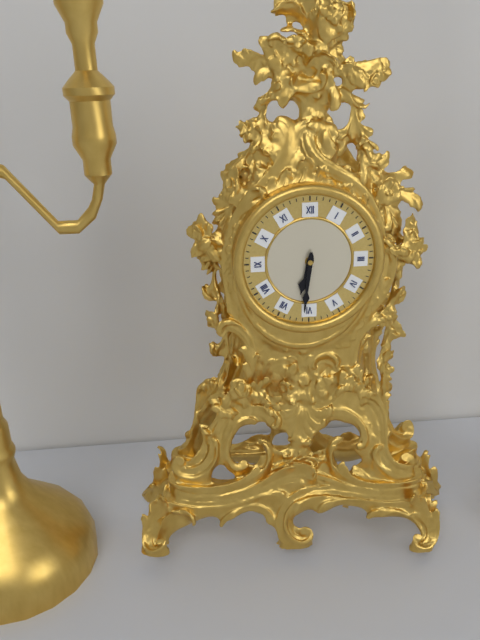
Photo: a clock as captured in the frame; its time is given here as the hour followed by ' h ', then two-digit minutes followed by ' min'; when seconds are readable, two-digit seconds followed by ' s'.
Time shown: 6 h 31 min
